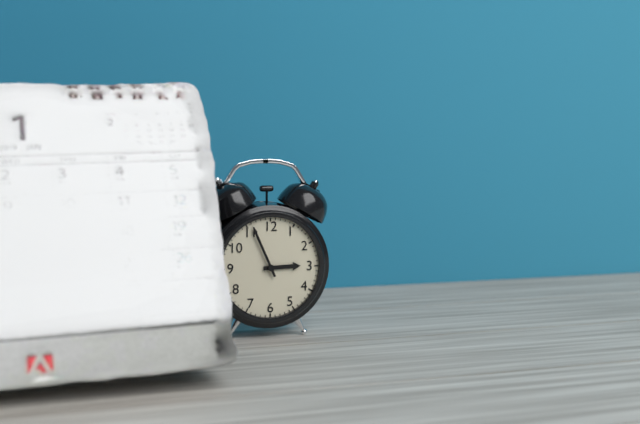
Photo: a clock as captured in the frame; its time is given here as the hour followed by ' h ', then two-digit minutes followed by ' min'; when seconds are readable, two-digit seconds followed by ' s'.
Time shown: 2 h 56 min
